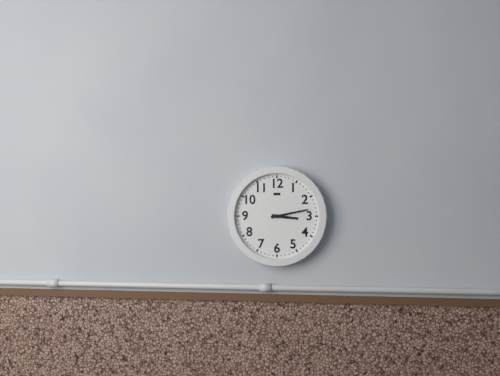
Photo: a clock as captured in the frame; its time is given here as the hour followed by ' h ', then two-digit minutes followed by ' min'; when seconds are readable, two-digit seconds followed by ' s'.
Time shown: 3 h 13 min
